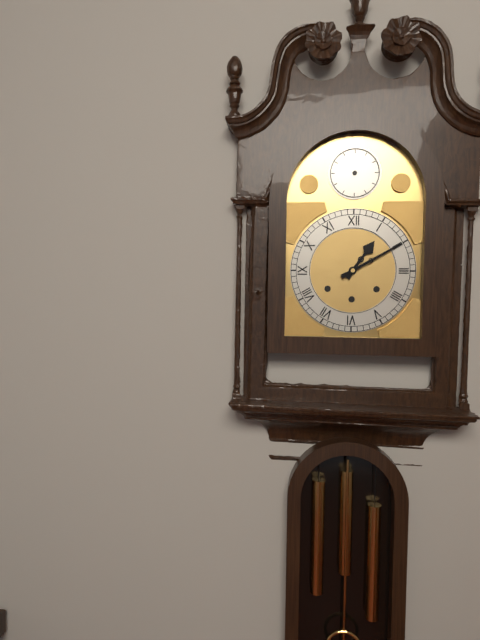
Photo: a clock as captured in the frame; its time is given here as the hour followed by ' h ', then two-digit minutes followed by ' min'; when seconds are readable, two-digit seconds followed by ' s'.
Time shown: 1 h 10 min
